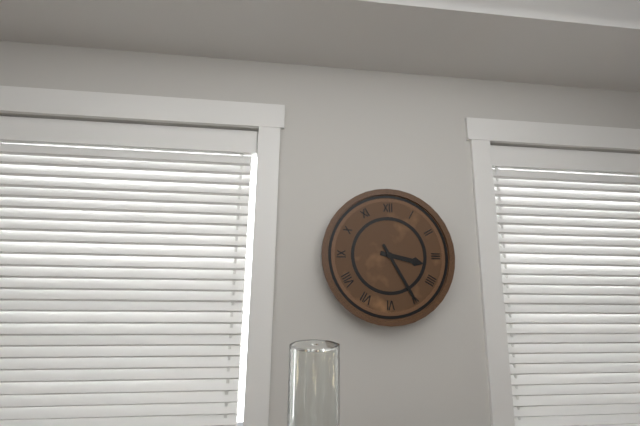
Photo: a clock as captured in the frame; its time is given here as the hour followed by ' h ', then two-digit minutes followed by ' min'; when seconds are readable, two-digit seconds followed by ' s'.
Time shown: 3 h 25 min
